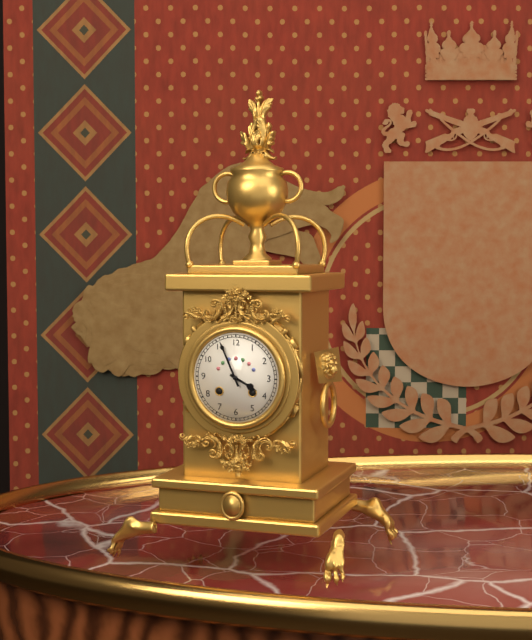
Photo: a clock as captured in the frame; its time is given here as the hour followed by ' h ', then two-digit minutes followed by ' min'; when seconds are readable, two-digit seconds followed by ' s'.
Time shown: 3 h 56 min
